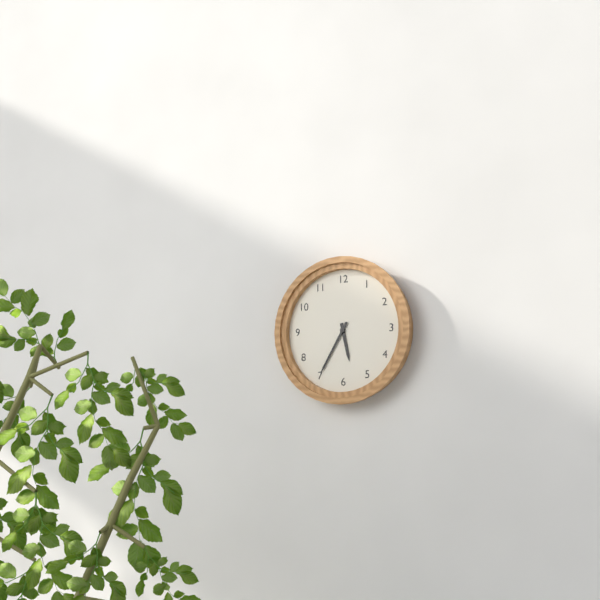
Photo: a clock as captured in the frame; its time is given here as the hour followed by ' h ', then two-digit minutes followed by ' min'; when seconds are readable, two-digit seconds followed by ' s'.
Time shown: 5 h 35 min
